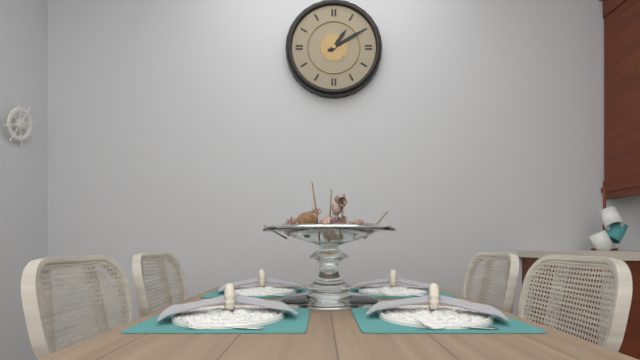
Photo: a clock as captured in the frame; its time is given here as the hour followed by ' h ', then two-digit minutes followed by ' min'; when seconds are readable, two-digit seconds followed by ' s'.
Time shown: 1 h 10 min
